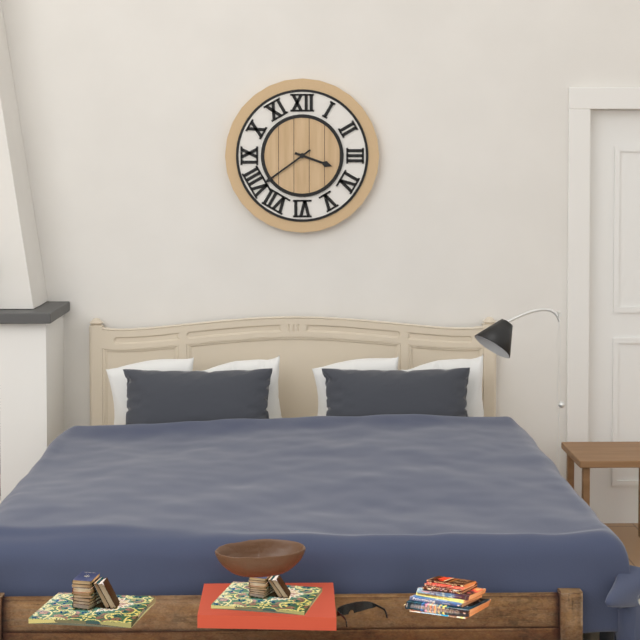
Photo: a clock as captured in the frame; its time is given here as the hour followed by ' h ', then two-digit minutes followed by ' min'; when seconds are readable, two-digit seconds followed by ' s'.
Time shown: 3 h 39 min
